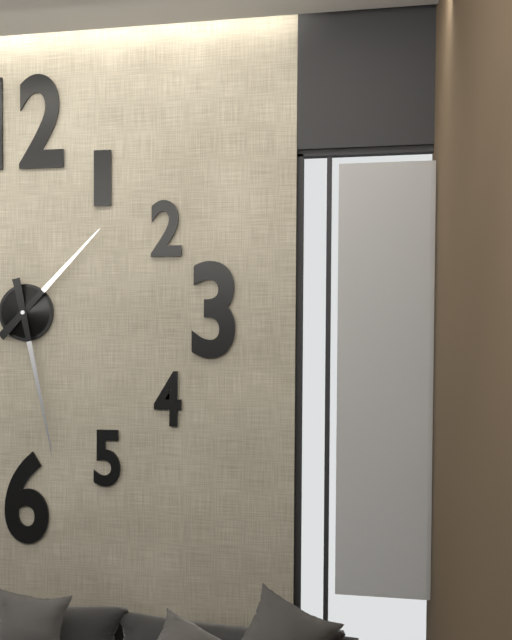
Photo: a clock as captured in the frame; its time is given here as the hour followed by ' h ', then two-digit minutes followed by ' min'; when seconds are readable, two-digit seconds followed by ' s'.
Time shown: 1 h 28 min
